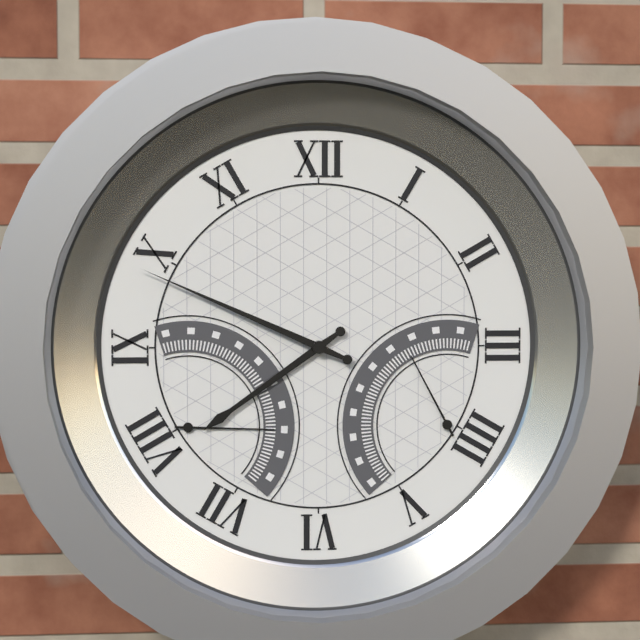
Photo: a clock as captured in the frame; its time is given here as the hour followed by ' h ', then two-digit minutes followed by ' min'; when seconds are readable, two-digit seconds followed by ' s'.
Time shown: 7 h 49 min
